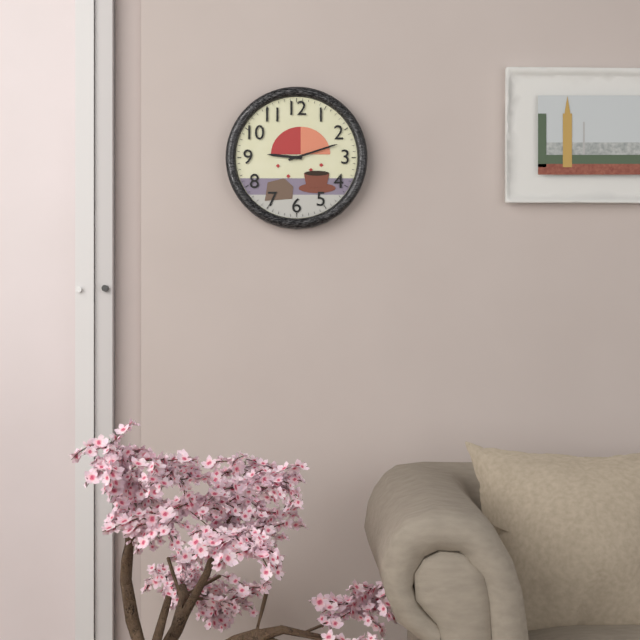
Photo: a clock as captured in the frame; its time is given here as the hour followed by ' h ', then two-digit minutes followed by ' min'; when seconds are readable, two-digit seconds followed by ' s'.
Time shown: 9 h 12 min
